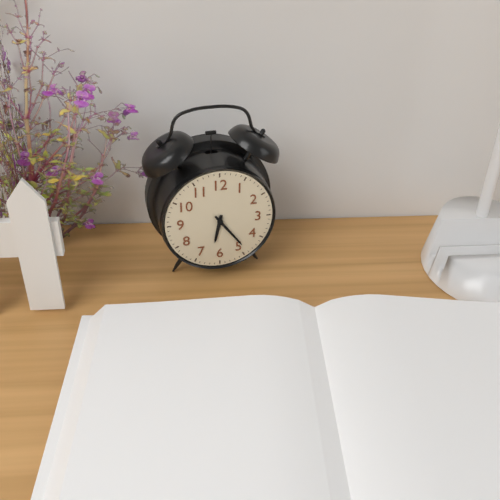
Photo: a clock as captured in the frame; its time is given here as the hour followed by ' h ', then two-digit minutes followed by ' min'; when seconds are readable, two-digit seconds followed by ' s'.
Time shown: 6 h 24 min
